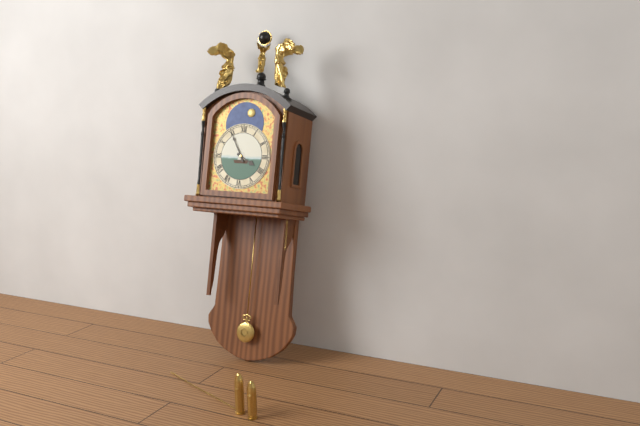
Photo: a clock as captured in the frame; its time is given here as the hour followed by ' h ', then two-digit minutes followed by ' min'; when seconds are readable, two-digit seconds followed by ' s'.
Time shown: 3 h 55 min
